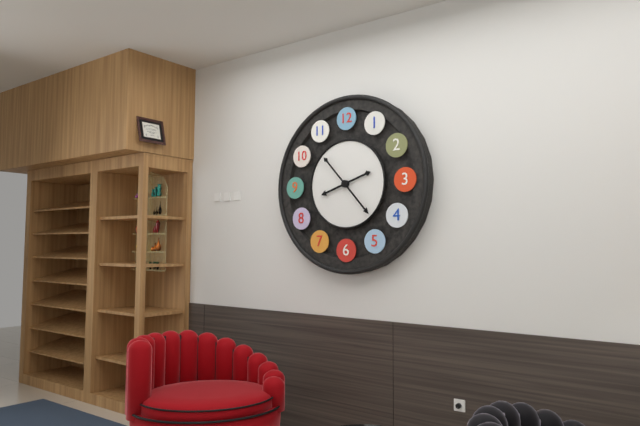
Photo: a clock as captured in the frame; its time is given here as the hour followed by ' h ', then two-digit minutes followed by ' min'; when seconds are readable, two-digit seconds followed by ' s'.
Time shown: 8 h 23 min
